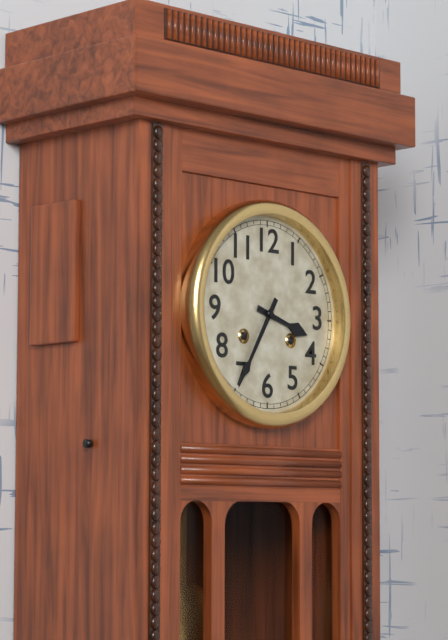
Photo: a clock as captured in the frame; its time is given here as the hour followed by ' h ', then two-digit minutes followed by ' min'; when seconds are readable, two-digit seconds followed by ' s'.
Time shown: 3 h 35 min
